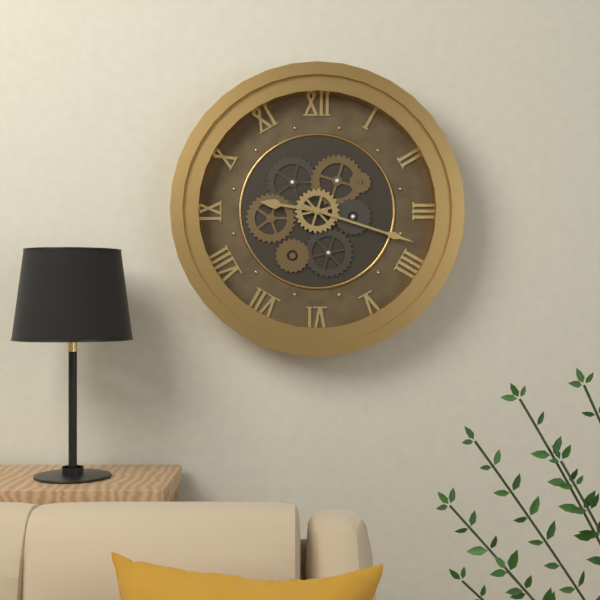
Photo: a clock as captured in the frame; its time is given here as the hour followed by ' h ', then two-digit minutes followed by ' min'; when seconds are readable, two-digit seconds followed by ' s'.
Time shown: 9 h 18 min
